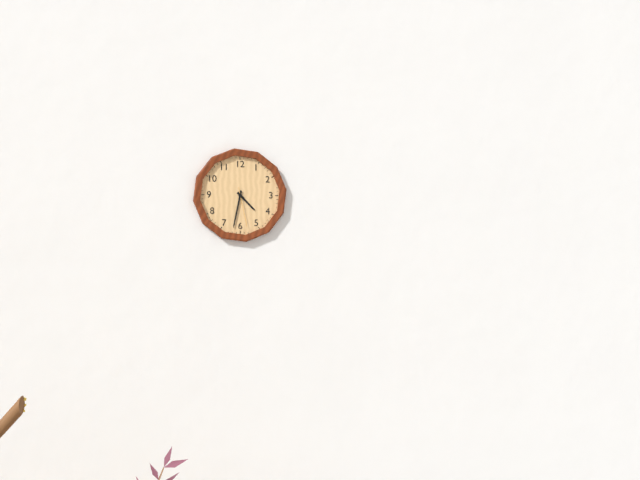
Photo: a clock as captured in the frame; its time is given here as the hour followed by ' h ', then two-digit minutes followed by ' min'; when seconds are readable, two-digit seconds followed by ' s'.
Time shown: 4 h 32 min
